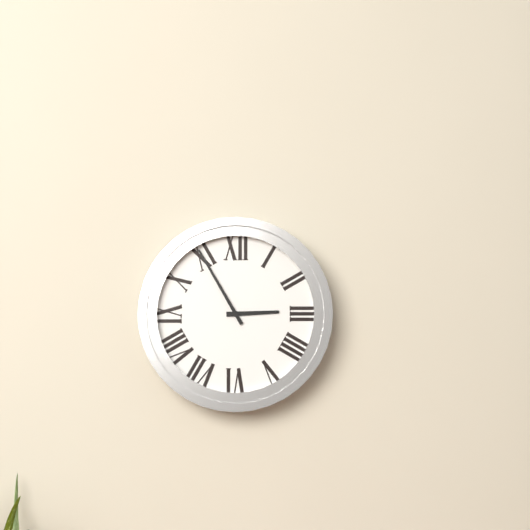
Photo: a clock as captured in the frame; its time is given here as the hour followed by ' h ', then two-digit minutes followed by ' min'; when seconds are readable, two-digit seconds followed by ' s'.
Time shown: 2 h 55 min
